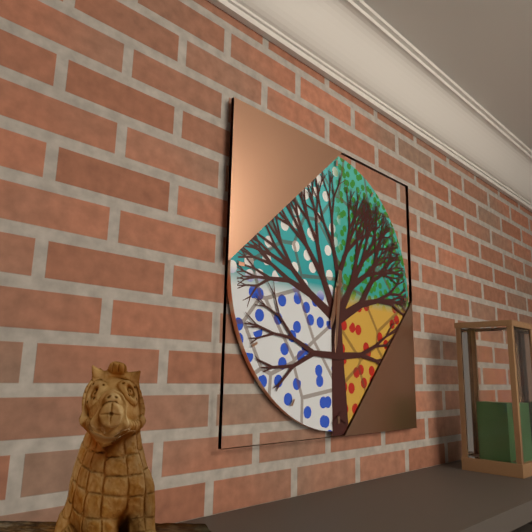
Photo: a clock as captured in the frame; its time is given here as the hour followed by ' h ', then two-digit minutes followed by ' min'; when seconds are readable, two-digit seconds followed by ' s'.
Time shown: 6 h 31 min
